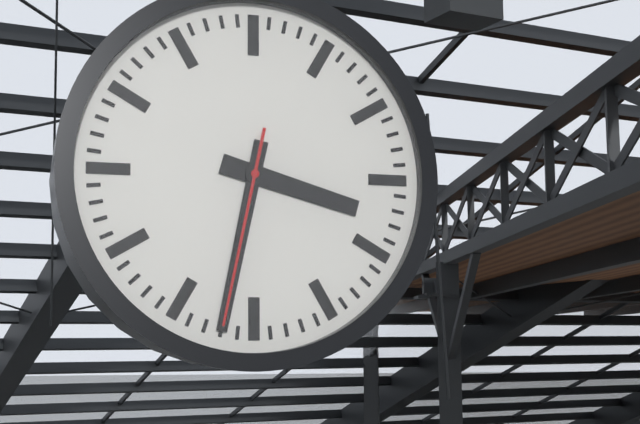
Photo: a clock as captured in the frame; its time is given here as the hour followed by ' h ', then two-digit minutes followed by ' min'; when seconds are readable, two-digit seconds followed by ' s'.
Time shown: 3 h 32 min 32 s
